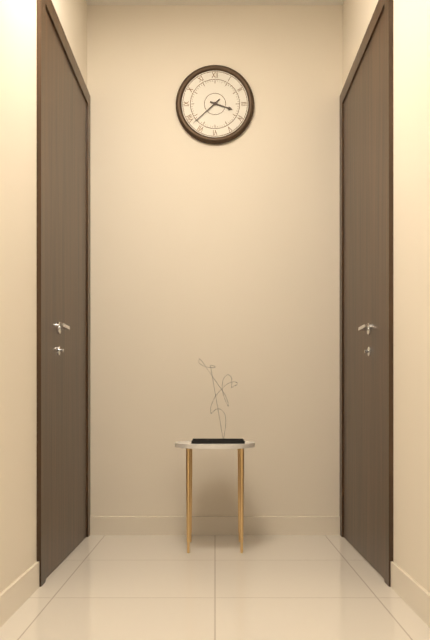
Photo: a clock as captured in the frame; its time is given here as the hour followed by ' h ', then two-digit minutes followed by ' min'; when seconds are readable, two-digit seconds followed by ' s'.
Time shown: 3 h 38 min
